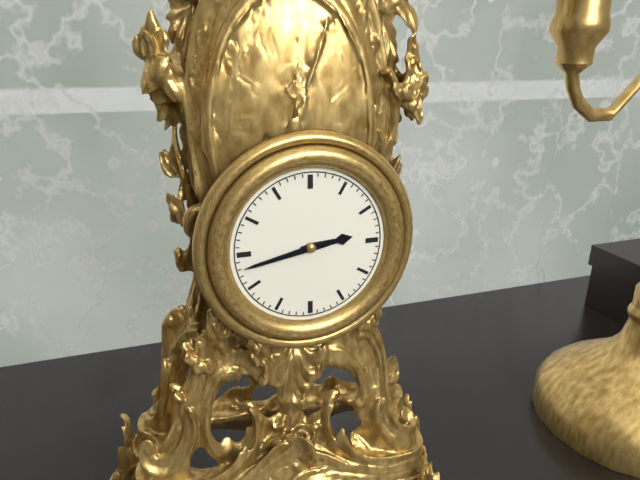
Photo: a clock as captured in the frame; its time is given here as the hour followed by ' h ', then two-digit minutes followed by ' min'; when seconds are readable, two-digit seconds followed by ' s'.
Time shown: 2 h 43 min
